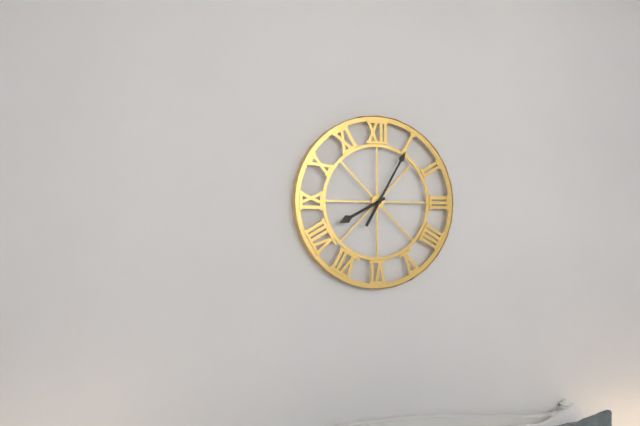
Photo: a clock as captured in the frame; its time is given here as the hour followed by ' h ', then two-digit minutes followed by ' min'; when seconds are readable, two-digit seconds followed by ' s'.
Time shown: 8 h 05 min
